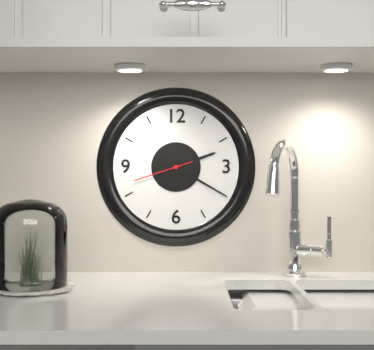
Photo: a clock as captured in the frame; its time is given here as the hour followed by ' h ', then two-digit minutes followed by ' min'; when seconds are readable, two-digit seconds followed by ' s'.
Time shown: 2 h 20 min 42 s
